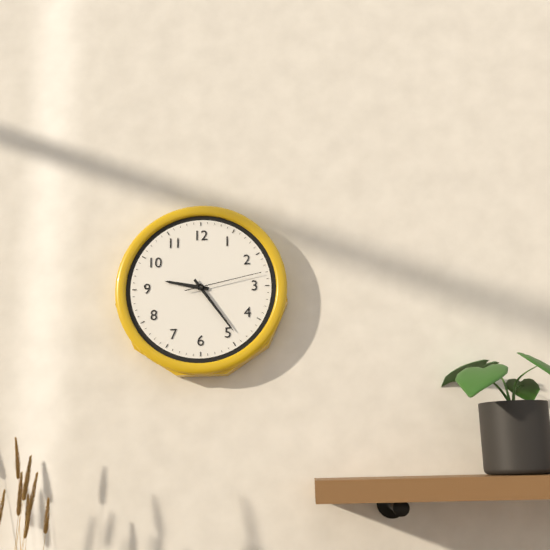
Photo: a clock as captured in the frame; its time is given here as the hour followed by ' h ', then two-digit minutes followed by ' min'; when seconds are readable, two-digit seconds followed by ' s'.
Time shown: 9 h 24 min 13 s
